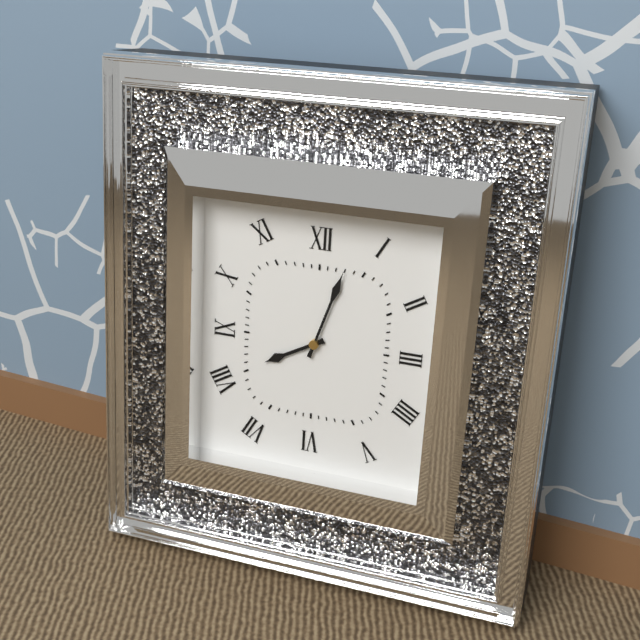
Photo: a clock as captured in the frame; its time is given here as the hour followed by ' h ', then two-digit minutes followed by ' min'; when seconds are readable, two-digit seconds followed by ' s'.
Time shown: 8 h 03 min
